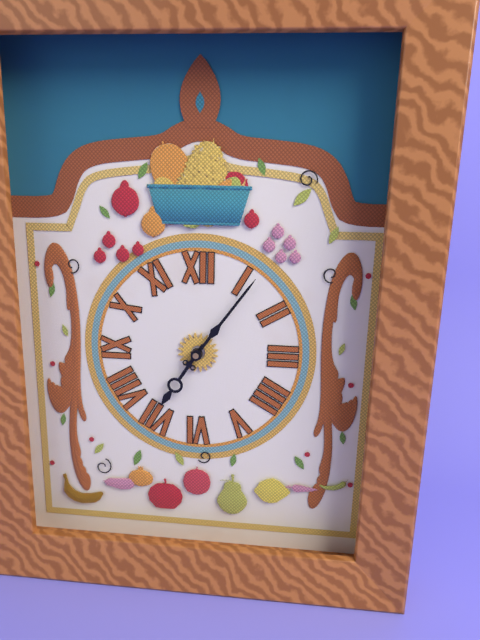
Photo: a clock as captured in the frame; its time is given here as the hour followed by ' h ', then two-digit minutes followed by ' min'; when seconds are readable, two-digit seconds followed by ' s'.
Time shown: 7 h 06 min
